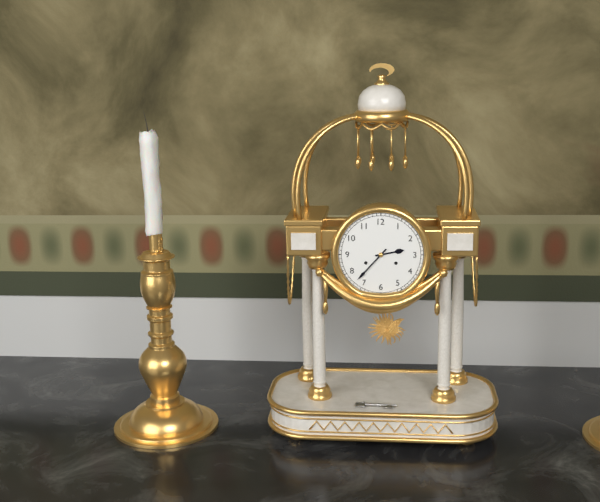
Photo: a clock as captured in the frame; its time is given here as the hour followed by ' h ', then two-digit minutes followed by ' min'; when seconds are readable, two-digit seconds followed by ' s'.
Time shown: 2 h 37 min
